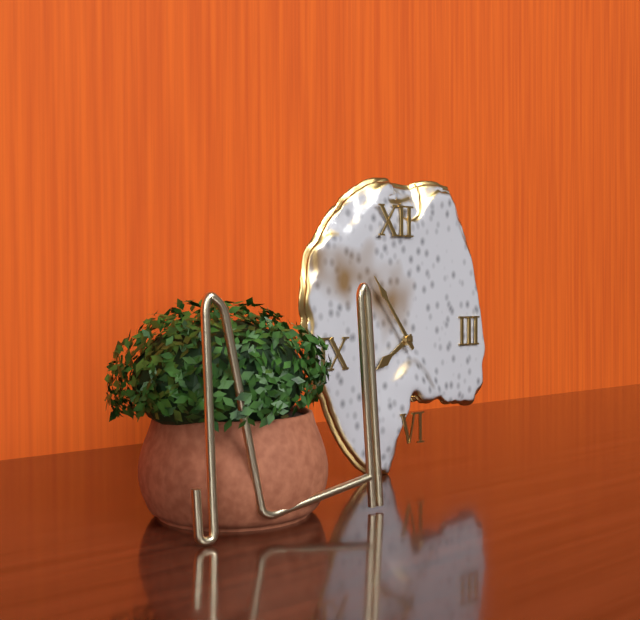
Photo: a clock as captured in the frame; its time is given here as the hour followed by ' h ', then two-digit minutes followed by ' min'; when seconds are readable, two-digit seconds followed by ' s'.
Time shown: 7 h 54 min
